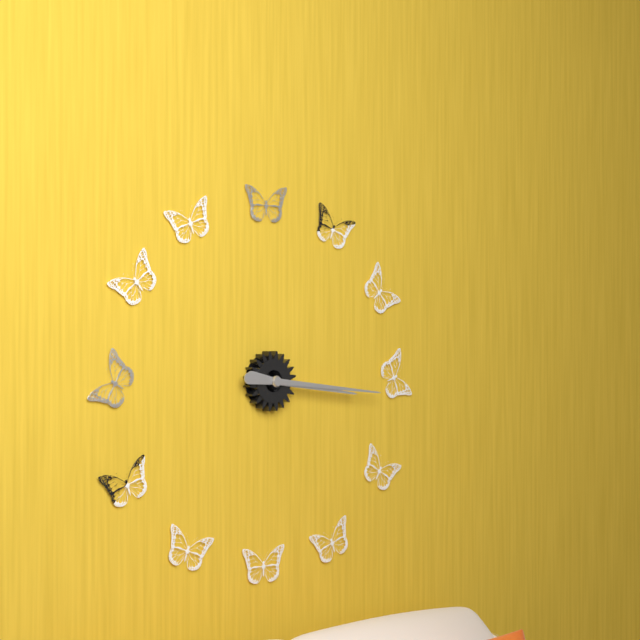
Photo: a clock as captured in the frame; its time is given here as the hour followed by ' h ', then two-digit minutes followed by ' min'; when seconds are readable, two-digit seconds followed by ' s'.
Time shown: 3 h 16 min
